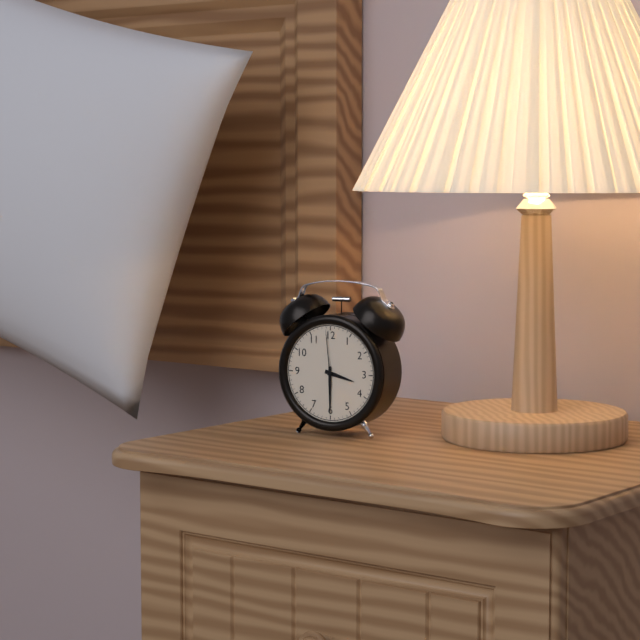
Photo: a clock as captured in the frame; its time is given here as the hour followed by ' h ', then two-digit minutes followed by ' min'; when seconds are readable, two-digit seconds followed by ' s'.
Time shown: 3 h 30 min 59 s
